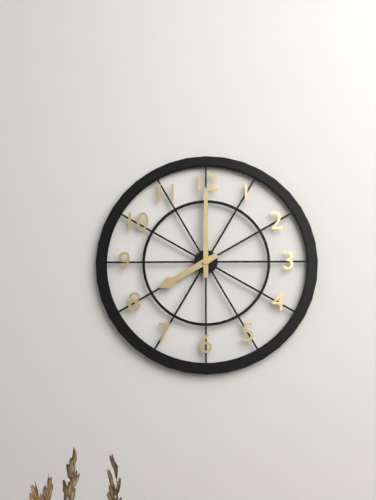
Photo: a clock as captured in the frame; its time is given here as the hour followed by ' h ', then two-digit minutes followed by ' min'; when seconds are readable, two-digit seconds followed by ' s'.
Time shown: 8 h 00 min
